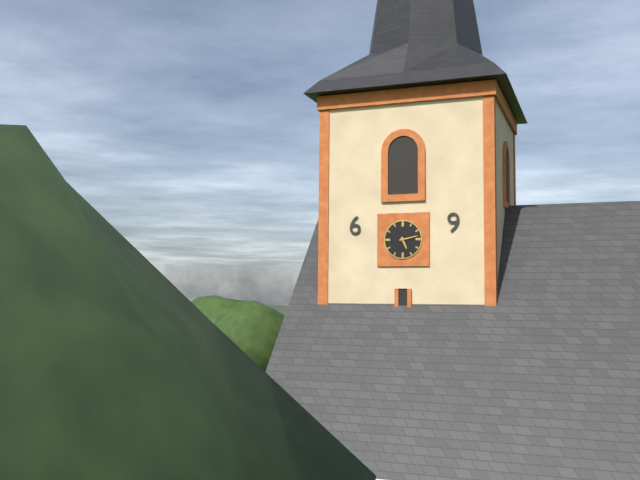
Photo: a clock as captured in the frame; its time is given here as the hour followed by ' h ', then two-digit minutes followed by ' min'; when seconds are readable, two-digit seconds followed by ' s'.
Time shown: 5 h 13 min
